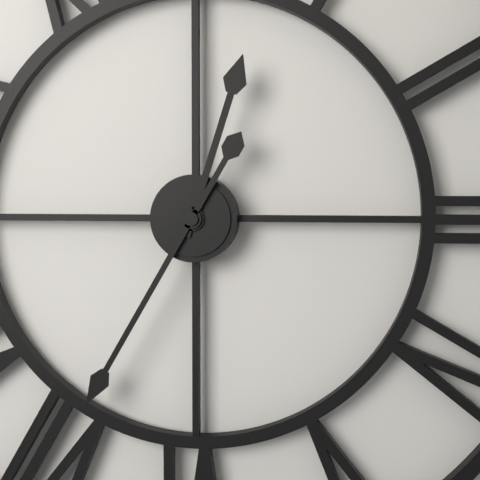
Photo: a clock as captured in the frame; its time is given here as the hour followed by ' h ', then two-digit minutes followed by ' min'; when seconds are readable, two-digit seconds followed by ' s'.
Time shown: 12 h 35 min
